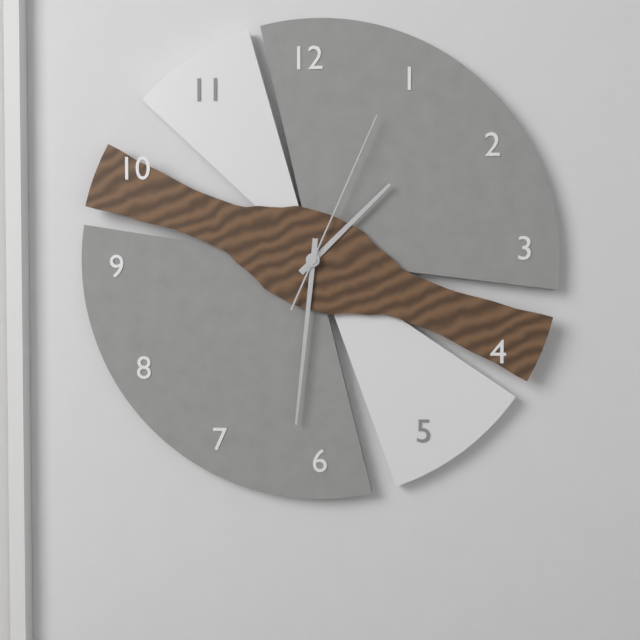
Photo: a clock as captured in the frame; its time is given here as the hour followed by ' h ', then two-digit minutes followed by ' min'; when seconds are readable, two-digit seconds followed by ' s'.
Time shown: 1 h 31 min 04 s
